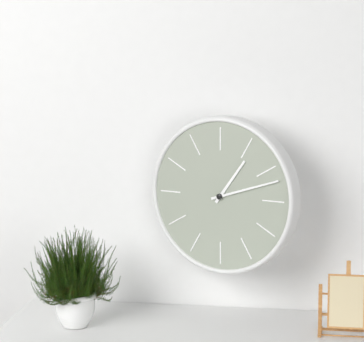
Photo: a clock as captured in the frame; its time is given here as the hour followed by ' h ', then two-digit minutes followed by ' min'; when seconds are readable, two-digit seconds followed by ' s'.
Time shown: 1 h 12 min
